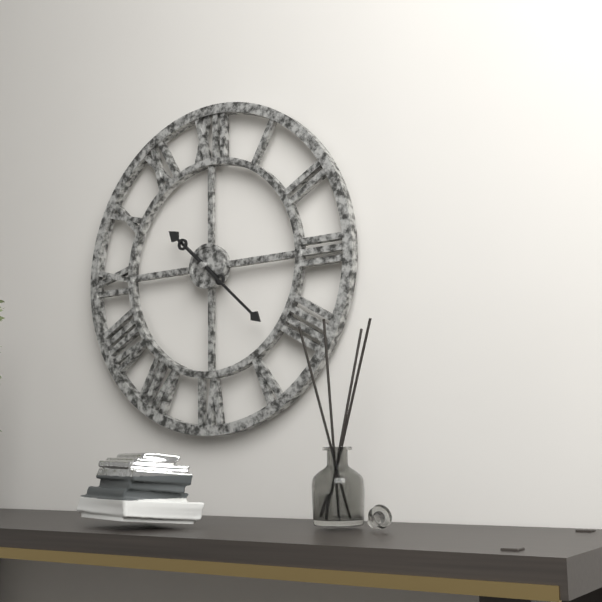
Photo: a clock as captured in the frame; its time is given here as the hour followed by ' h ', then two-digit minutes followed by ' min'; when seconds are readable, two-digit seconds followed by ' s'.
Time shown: 10 h 22 min
